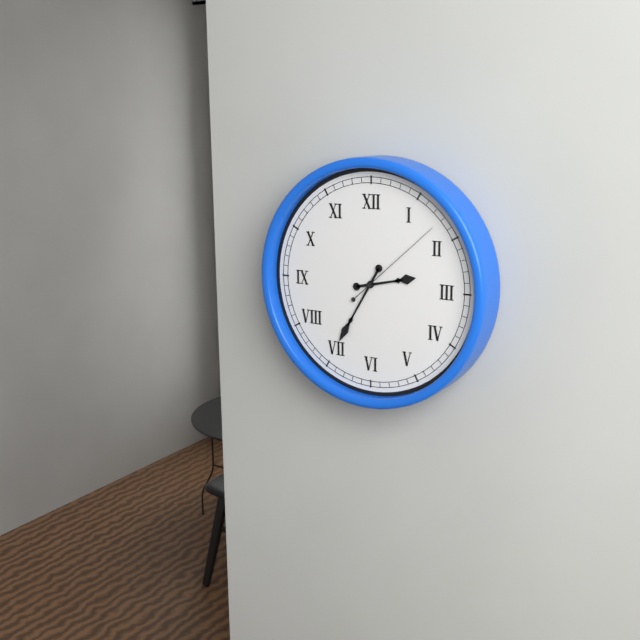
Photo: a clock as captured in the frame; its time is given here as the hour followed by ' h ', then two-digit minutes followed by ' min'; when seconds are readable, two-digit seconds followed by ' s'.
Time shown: 2 h 35 min 08 s
